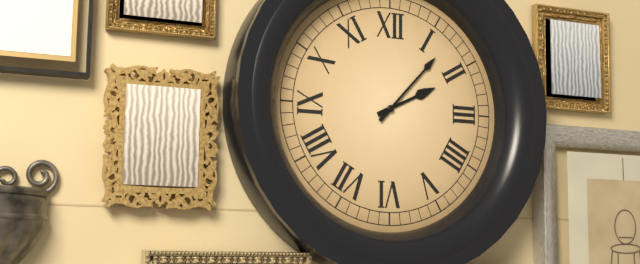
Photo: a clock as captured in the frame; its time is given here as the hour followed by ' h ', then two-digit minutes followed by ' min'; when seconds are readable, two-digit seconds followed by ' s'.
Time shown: 2 h 07 min
